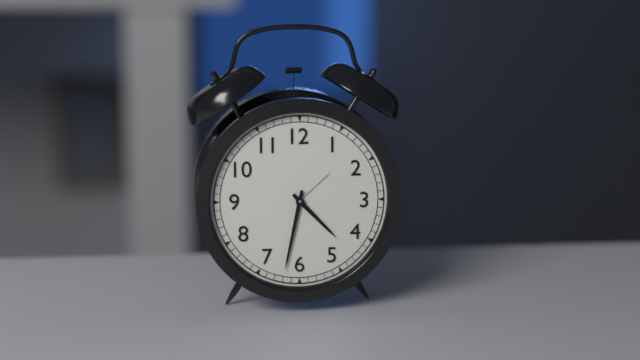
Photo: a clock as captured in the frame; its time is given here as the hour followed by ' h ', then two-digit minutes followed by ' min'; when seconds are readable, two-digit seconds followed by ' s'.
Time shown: 4 h 32 min
